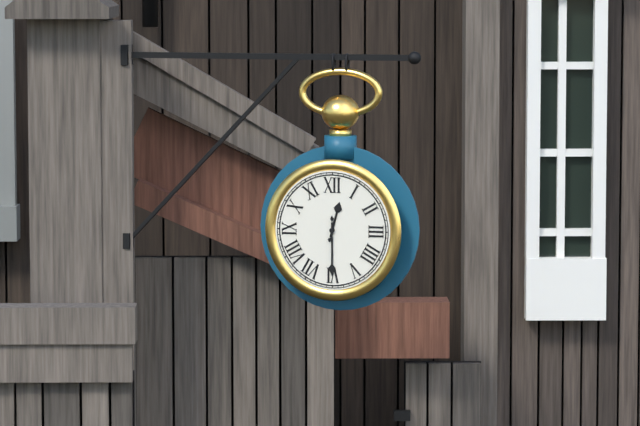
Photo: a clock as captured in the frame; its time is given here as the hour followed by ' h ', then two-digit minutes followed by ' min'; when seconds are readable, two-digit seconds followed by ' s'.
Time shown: 12 h 30 min
